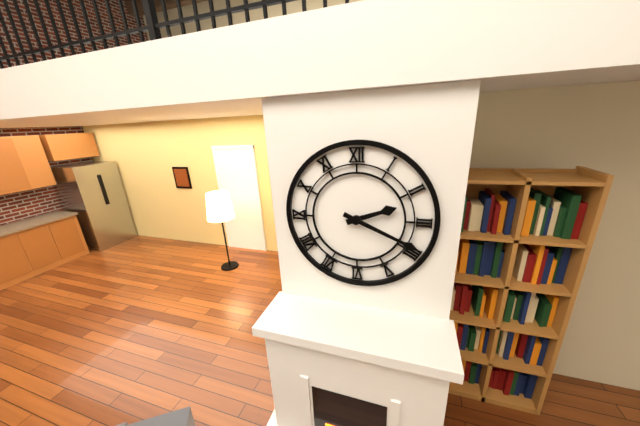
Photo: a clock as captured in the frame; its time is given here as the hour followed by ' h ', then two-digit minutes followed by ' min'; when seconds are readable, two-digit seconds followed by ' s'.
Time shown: 2 h 19 min
